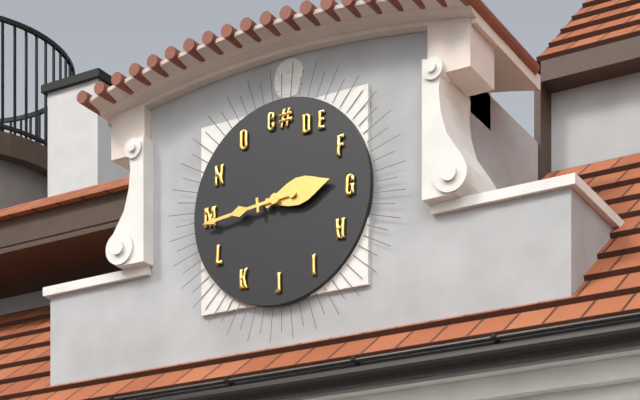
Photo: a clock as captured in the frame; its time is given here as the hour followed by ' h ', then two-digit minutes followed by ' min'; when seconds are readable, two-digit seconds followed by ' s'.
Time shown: 2 h 44 min
